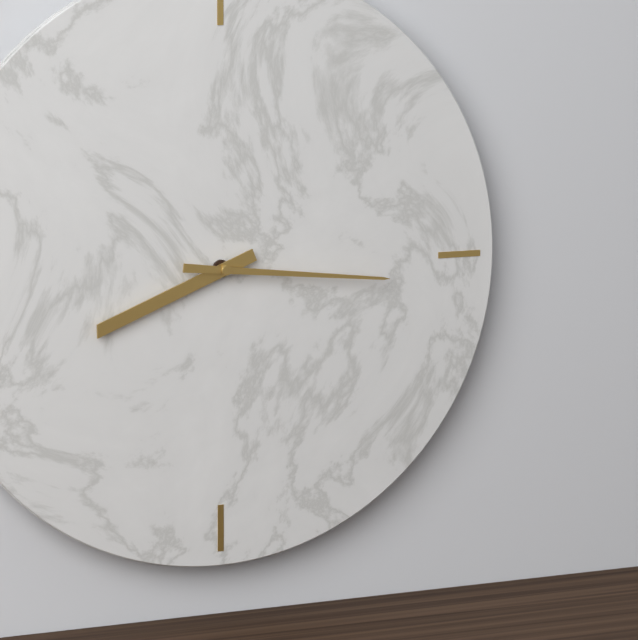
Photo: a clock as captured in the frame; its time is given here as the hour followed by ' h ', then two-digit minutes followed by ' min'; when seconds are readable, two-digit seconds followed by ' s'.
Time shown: 8 h 16 min
